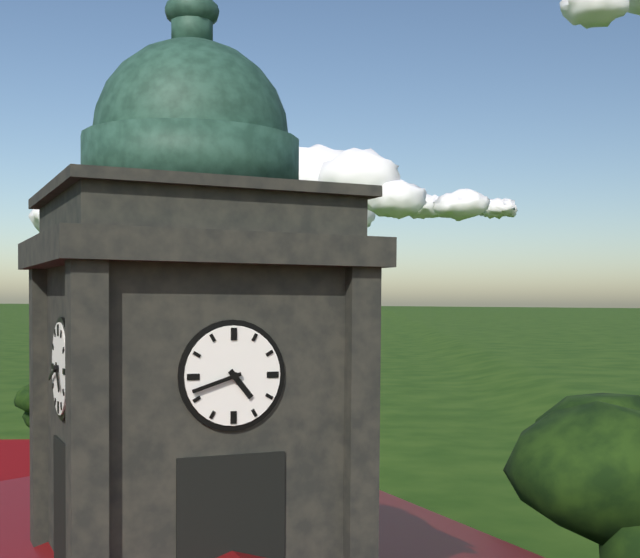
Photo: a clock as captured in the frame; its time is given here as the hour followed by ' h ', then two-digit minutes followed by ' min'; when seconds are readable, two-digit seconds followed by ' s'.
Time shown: 4 h 42 min
